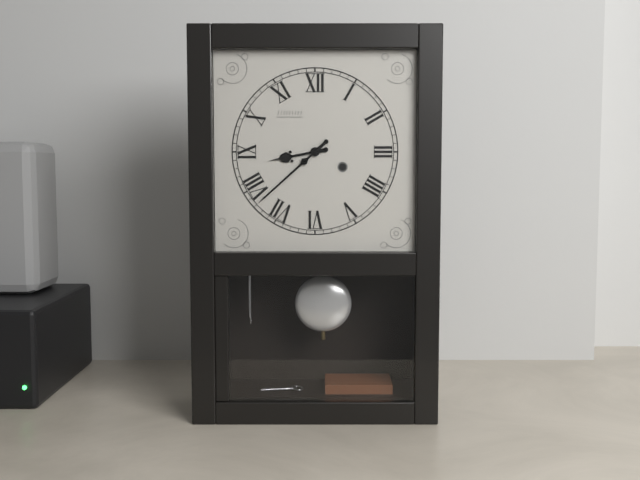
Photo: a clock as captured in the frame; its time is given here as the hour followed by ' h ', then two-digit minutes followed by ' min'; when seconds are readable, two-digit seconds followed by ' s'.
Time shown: 8 h 38 min
